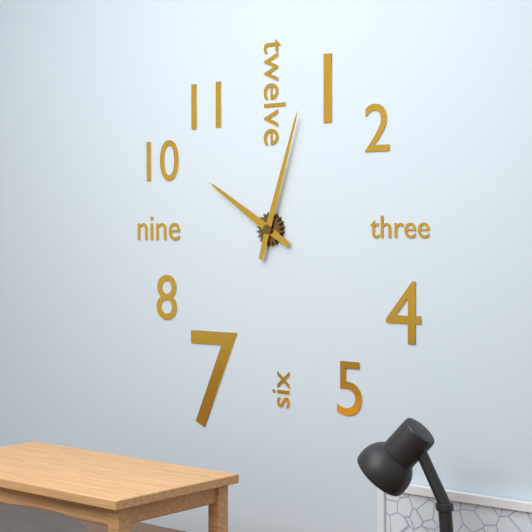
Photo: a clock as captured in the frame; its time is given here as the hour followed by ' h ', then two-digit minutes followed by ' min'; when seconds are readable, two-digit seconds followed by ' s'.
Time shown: 10 h 03 min
